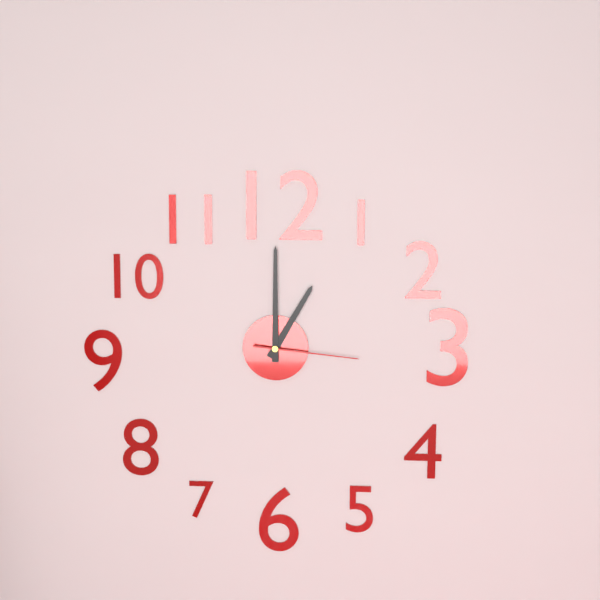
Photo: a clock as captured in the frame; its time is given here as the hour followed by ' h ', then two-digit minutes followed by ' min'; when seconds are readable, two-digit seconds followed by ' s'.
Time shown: 1 h 00 min 16 s
